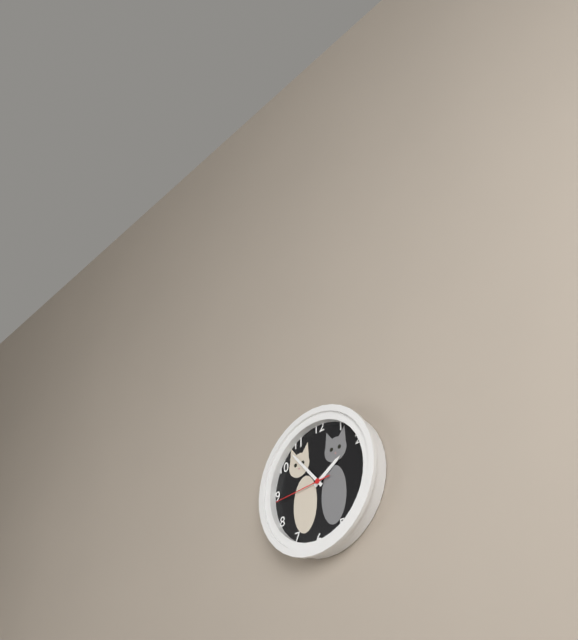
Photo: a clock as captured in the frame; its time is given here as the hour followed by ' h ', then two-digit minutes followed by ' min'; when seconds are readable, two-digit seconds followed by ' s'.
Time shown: 1 h 53 min 44 s
